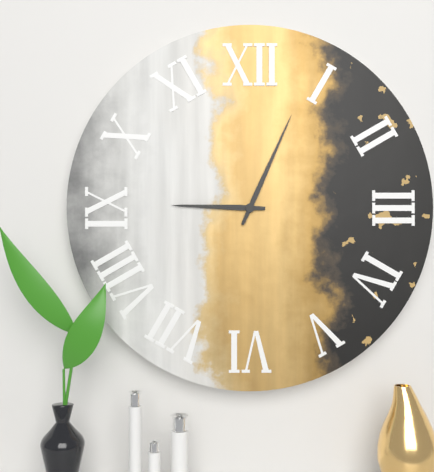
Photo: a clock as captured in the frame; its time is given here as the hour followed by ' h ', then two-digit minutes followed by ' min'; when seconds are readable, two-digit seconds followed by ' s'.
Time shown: 9 h 04 min
